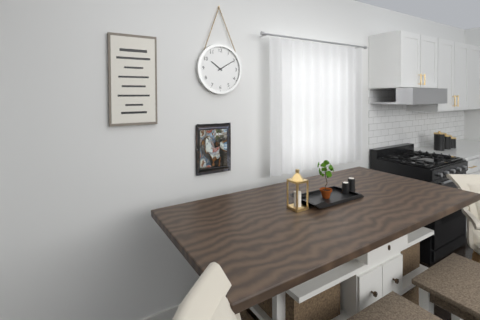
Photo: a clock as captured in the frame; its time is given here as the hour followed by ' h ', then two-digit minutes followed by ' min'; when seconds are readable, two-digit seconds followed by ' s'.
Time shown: 10 h 10 min
